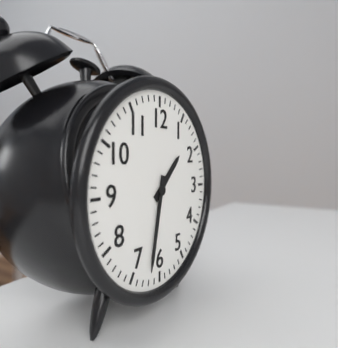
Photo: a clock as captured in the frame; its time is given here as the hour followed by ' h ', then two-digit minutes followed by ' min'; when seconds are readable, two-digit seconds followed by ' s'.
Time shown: 1 h 32 min
